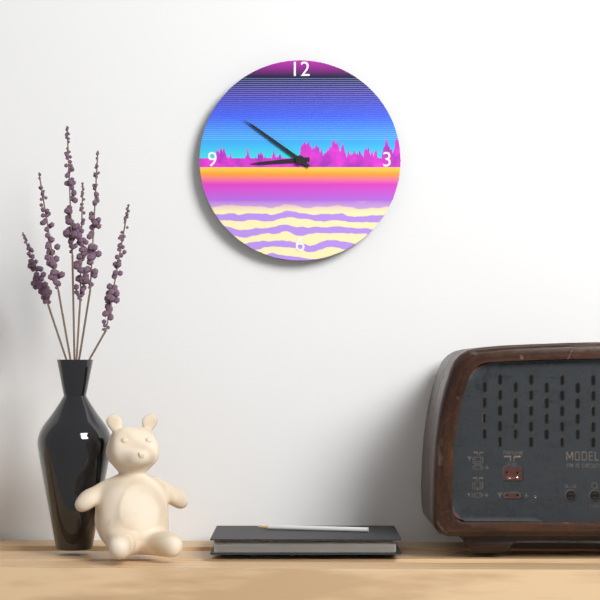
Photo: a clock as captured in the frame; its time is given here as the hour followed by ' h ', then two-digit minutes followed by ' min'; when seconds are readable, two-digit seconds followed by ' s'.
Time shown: 8 h 51 min
